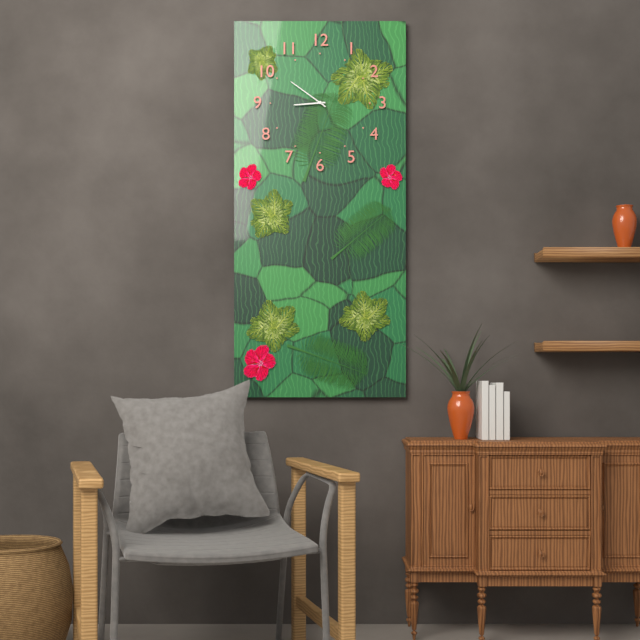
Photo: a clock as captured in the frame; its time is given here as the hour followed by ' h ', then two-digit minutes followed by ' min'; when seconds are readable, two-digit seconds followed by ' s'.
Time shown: 8 h 51 min
